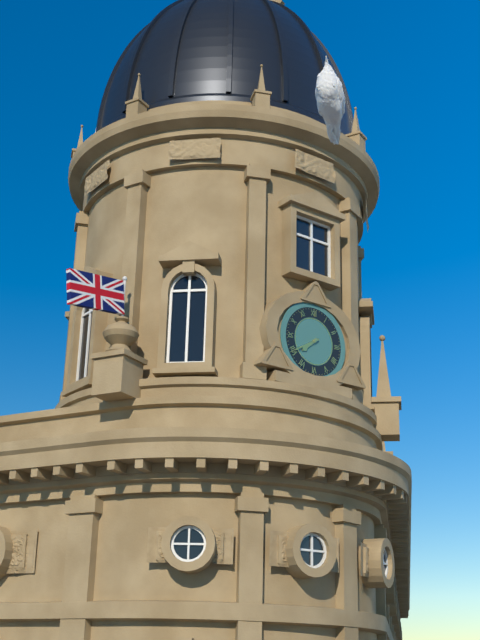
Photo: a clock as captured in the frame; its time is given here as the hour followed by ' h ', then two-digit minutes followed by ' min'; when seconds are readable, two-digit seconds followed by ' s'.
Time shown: 7 h 40 min
